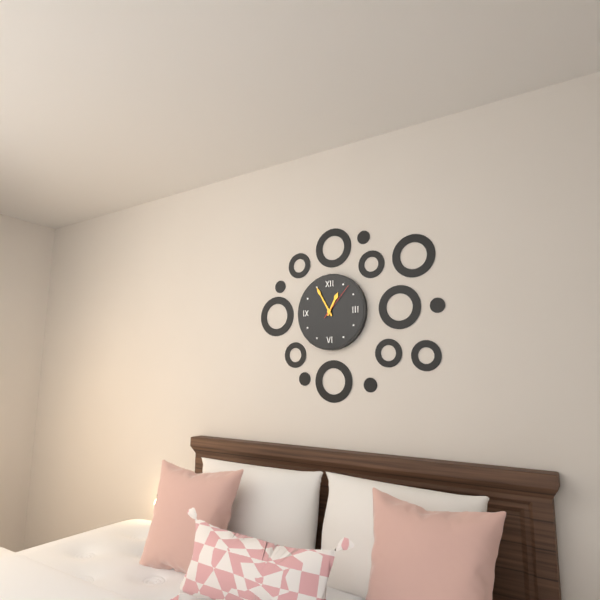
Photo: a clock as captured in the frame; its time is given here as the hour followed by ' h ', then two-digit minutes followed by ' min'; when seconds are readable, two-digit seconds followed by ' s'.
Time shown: 12 h 55 min
